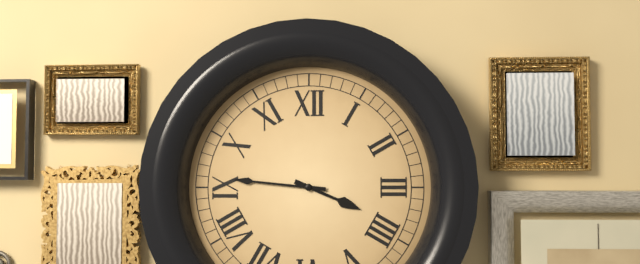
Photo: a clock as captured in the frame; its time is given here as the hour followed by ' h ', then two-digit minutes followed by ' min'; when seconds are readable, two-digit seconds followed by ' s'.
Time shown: 3 h 46 min
